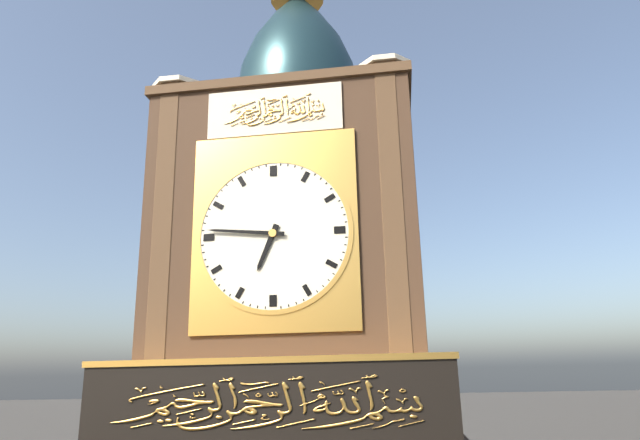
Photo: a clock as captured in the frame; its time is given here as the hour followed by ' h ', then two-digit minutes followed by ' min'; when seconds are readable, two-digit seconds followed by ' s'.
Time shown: 6 h 46 min
